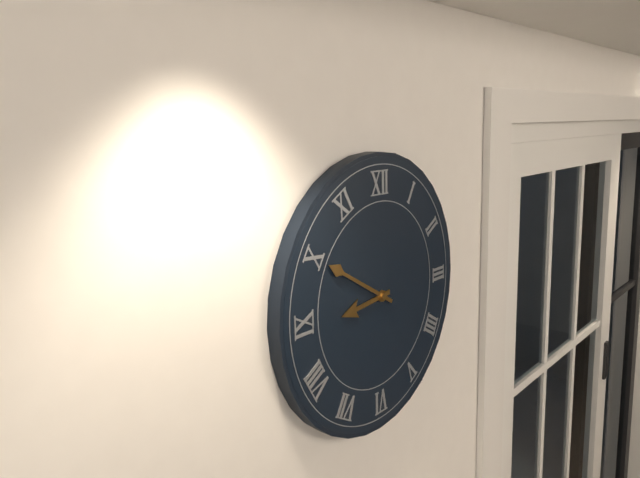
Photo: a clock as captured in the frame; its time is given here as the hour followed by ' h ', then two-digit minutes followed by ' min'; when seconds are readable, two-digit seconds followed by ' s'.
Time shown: 8 h 50 min
